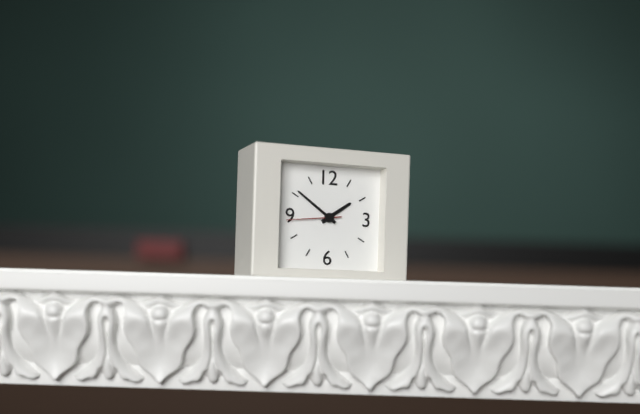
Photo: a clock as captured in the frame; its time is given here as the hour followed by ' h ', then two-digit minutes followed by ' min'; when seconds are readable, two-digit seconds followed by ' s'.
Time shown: 1 h 51 min 44 s
